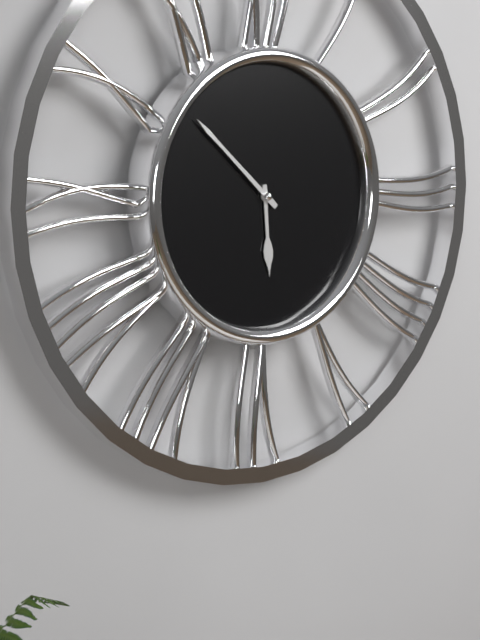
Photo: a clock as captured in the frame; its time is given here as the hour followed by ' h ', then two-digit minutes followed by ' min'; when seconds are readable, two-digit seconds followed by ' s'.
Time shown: 5 h 52 min
